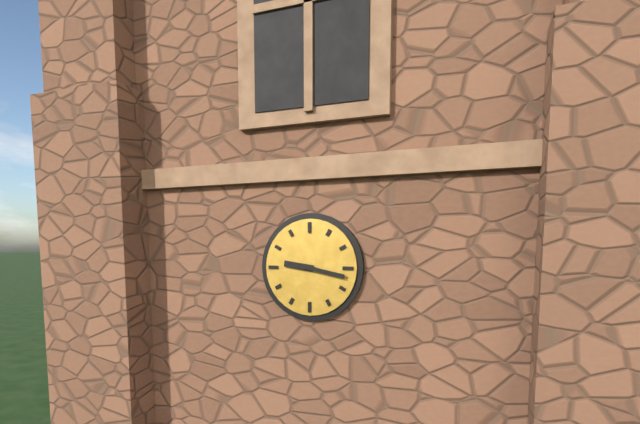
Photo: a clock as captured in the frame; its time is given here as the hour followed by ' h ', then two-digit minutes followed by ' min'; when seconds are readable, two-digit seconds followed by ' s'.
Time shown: 9 h 17 min
